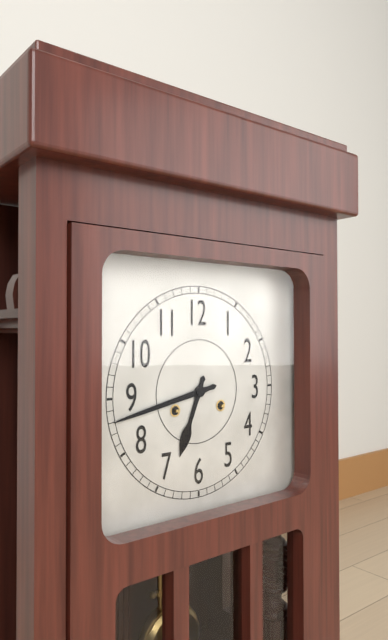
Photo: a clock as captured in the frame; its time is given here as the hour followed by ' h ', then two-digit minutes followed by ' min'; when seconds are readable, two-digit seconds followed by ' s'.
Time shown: 6 h 43 min
